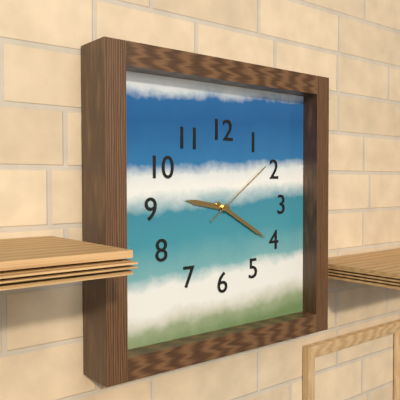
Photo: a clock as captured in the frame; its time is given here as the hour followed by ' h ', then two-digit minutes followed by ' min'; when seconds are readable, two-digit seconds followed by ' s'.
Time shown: 9 h 20 min 09 s
